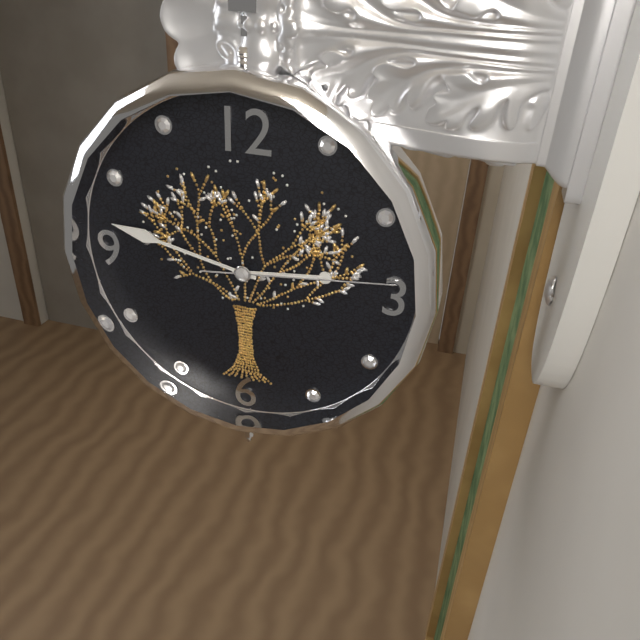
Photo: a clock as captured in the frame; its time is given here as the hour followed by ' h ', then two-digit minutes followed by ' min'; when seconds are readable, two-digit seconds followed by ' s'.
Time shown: 2 h 47 min 14 s
